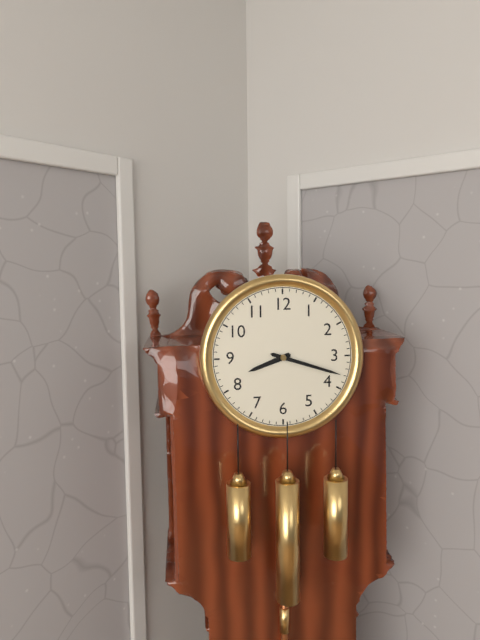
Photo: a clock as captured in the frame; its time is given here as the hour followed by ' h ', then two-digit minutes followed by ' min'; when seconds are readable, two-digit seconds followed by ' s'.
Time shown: 8 h 18 min
